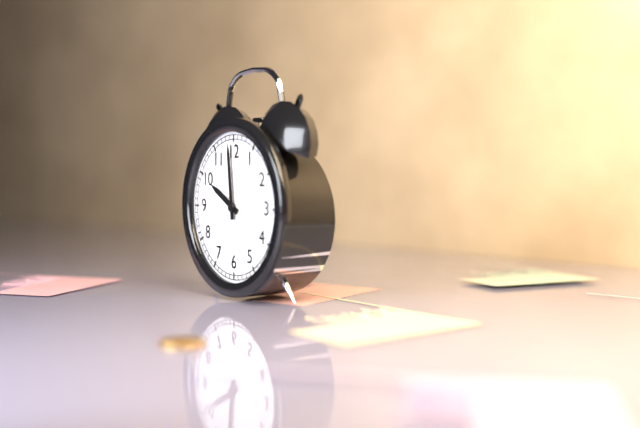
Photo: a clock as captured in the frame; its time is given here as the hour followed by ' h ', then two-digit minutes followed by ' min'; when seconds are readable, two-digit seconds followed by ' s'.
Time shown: 9 h 59 min
